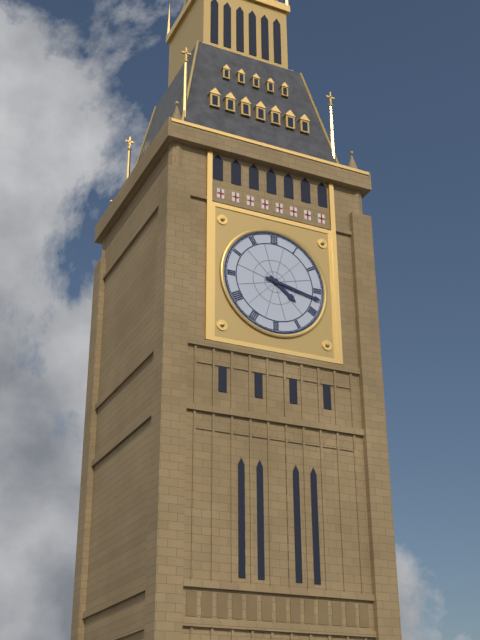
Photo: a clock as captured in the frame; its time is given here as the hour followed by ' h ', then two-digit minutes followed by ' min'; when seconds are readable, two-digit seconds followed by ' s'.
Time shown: 4 h 17 min
